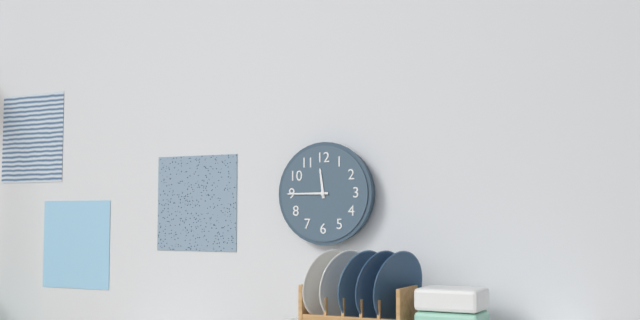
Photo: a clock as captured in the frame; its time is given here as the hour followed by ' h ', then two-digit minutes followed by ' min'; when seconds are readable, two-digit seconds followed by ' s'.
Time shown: 11 h 45 min
